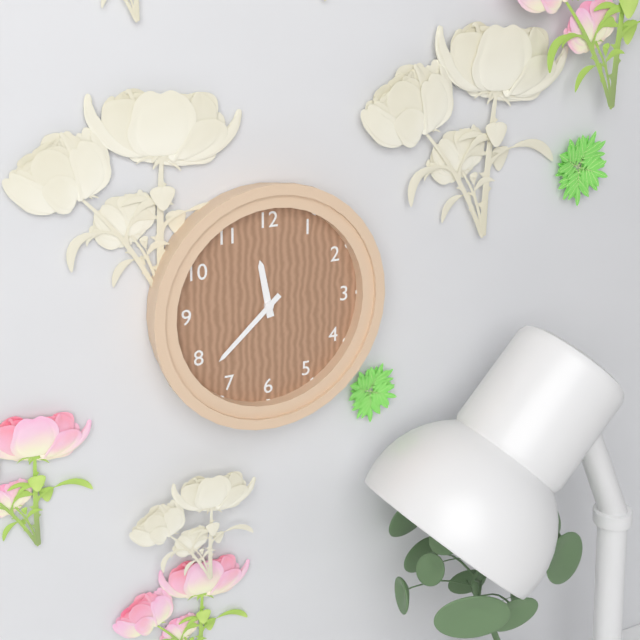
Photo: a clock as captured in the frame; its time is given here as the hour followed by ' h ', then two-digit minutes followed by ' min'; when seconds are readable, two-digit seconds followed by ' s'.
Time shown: 11 h 38 min
